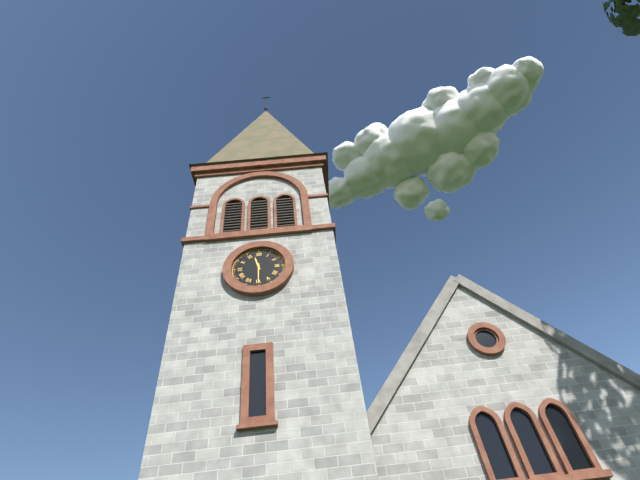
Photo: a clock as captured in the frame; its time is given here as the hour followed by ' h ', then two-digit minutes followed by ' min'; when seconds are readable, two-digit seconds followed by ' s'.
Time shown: 11 h 30 min
